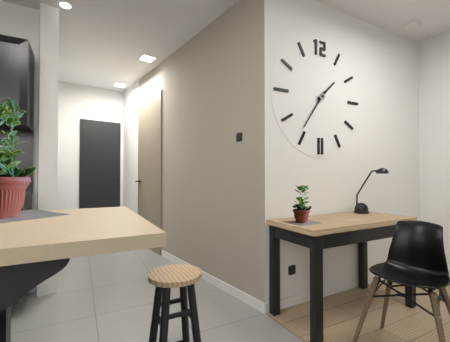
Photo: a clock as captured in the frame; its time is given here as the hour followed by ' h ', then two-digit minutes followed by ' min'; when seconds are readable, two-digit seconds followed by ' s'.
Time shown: 1 h 36 min
